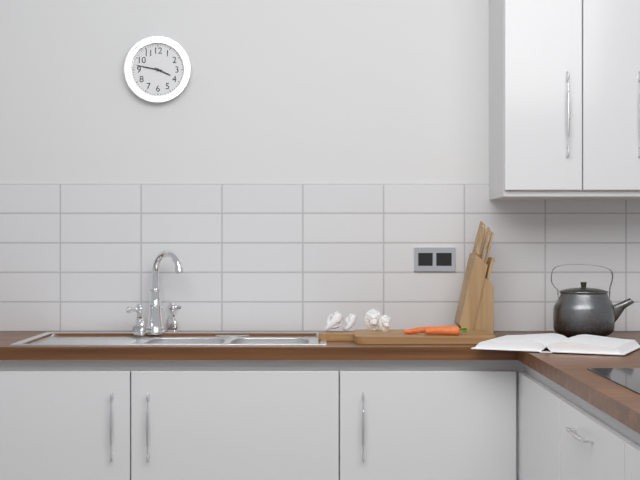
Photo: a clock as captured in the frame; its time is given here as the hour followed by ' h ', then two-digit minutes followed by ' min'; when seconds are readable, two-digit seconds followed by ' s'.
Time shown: 3 h 47 min
